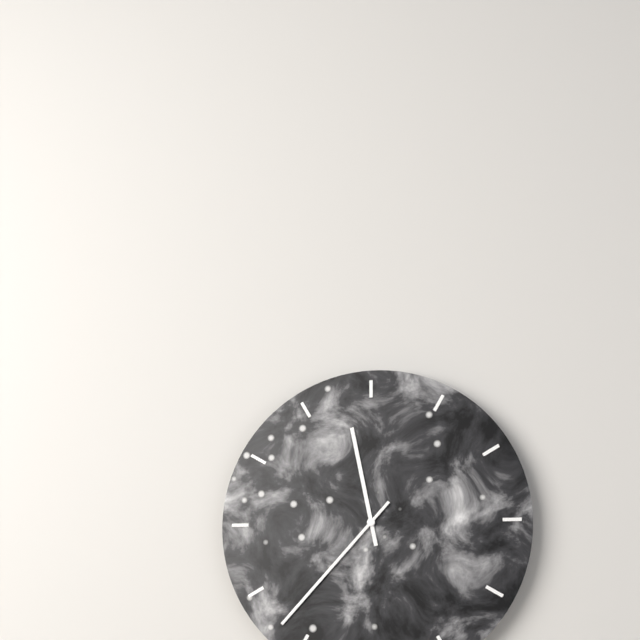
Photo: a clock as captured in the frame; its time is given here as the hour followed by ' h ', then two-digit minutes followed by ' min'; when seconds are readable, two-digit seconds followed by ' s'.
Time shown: 11 h 37 min
